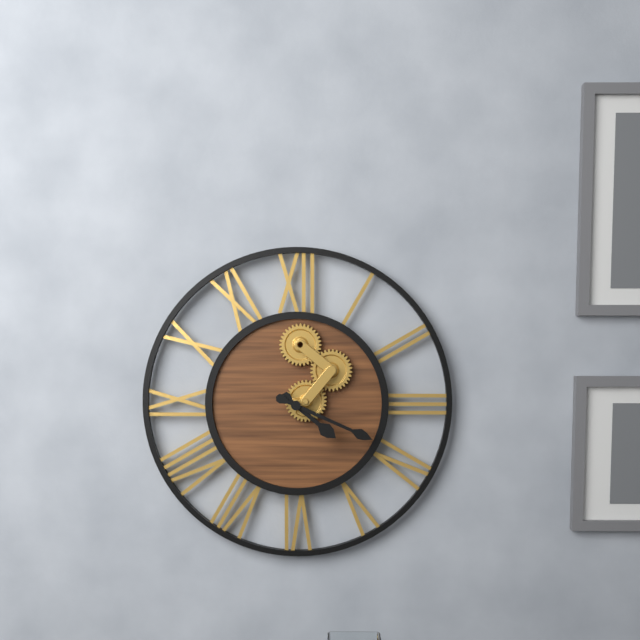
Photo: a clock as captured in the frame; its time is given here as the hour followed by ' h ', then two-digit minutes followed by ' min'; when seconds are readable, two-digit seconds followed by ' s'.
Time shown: 4 h 19 min
